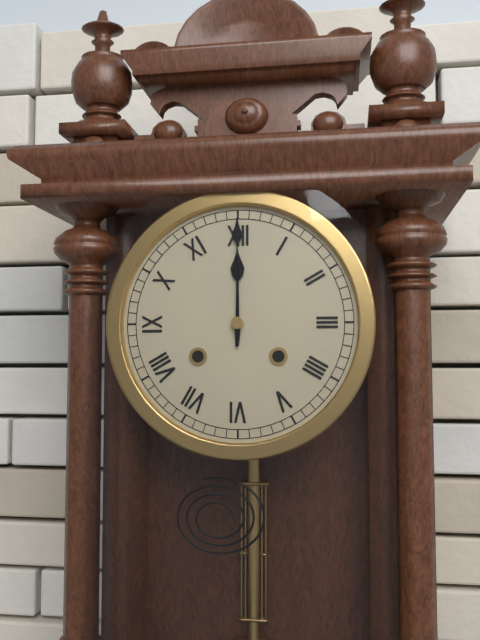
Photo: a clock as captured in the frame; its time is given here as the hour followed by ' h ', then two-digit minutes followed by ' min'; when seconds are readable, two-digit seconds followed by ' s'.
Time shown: 12 h 00 min
